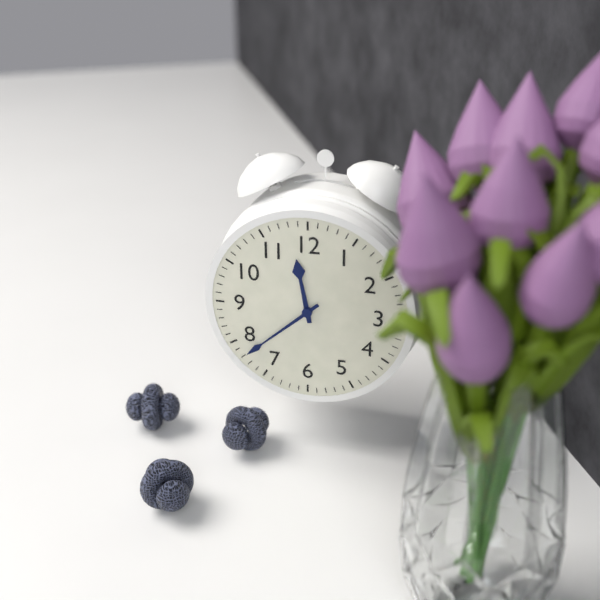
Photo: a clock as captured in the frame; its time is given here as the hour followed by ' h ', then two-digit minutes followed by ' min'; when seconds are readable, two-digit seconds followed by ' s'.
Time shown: 11 h 38 min
